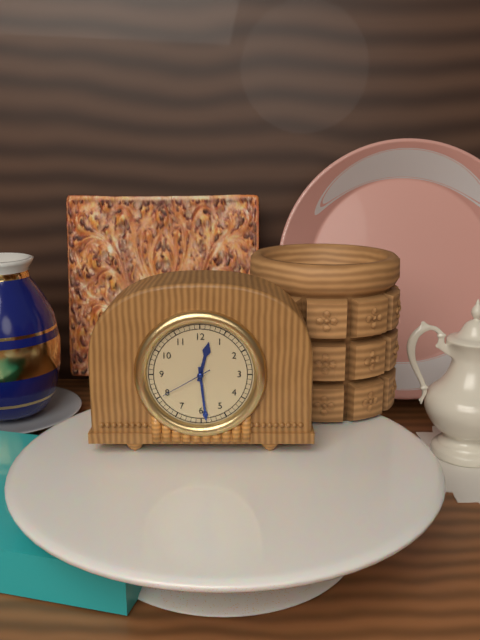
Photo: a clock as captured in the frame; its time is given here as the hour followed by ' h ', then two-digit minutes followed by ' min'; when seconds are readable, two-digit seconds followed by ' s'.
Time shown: 12 h 29 min 40 s
